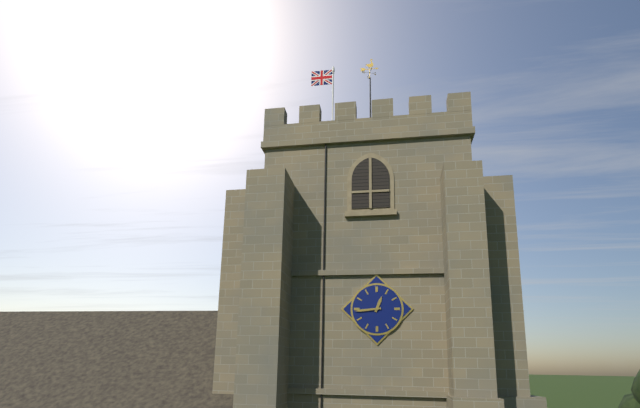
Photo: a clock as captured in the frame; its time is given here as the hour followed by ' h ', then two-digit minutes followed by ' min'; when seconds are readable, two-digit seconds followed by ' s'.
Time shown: 12 h 44 min
